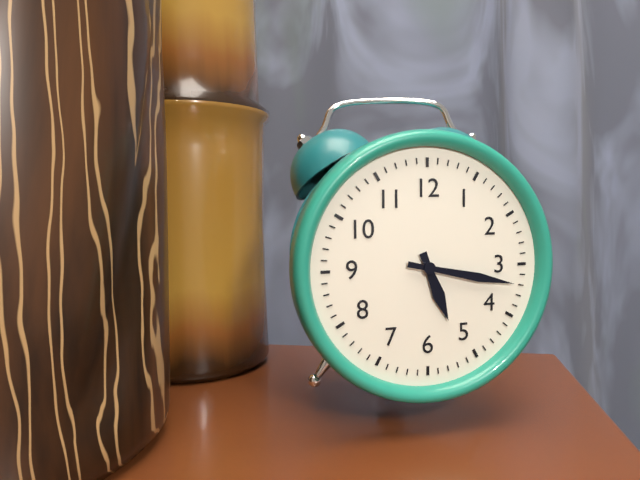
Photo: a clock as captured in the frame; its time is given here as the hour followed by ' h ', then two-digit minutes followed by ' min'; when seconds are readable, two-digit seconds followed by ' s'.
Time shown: 5 h 17 min
